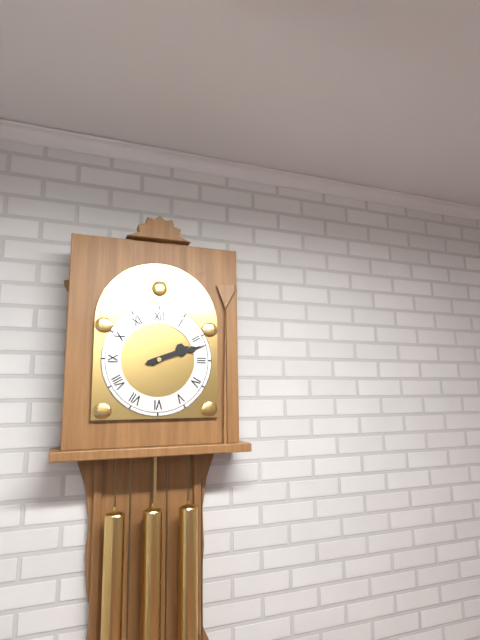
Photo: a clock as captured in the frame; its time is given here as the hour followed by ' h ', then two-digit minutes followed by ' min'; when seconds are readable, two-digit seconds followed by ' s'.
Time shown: 2 h 12 min
